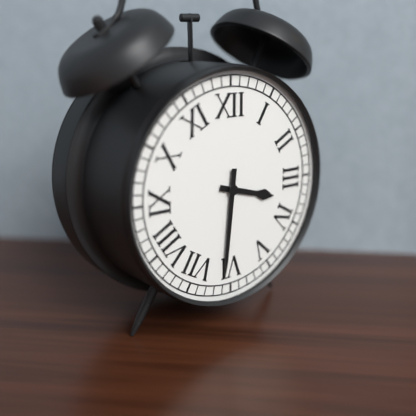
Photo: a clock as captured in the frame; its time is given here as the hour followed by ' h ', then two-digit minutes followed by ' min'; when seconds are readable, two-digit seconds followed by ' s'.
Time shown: 3 h 31 min
